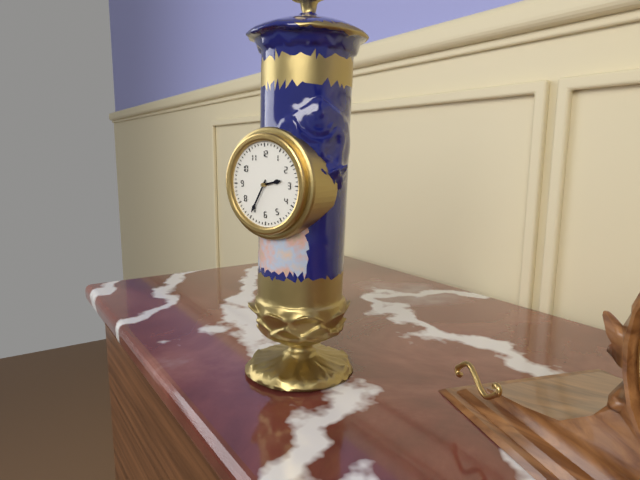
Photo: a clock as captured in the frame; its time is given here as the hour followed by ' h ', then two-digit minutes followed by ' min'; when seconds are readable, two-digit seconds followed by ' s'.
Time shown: 2 h 35 min
